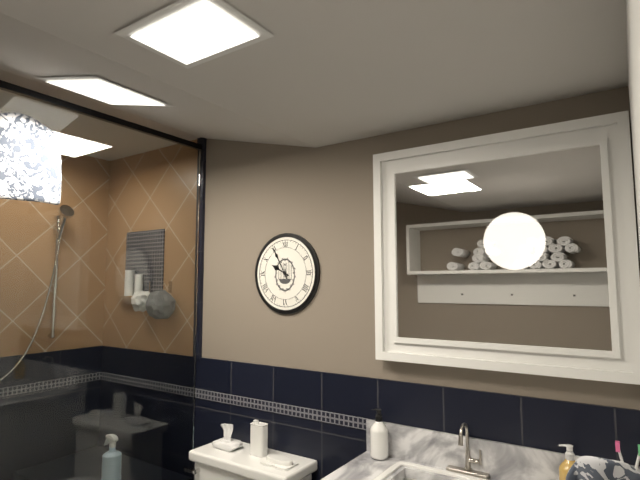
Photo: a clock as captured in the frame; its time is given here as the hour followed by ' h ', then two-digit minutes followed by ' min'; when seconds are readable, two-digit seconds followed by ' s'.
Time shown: 9 h 55 min
